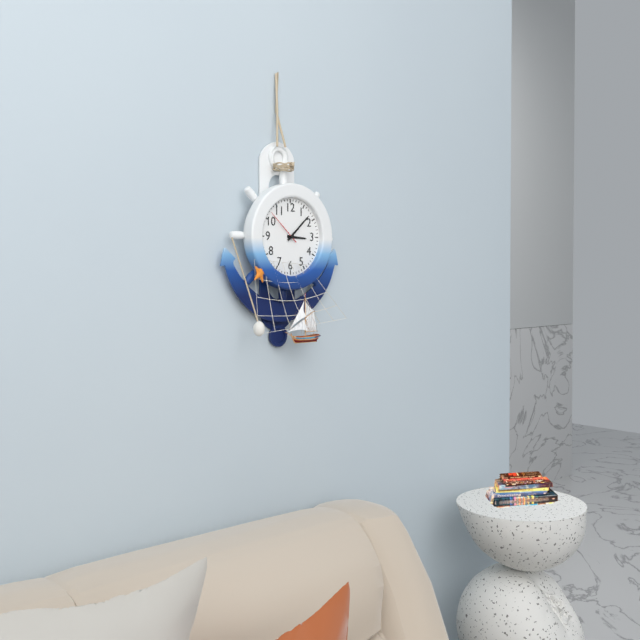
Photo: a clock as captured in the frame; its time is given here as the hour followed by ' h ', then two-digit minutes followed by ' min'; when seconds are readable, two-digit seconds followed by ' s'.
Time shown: 3 h 08 min
